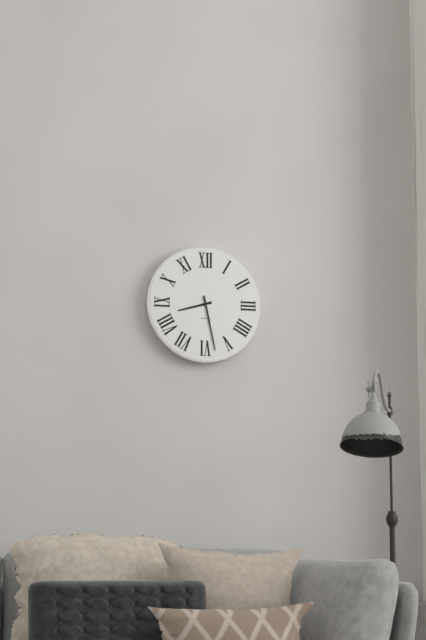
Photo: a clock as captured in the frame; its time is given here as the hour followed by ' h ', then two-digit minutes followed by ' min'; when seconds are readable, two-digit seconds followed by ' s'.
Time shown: 8 h 28 min
